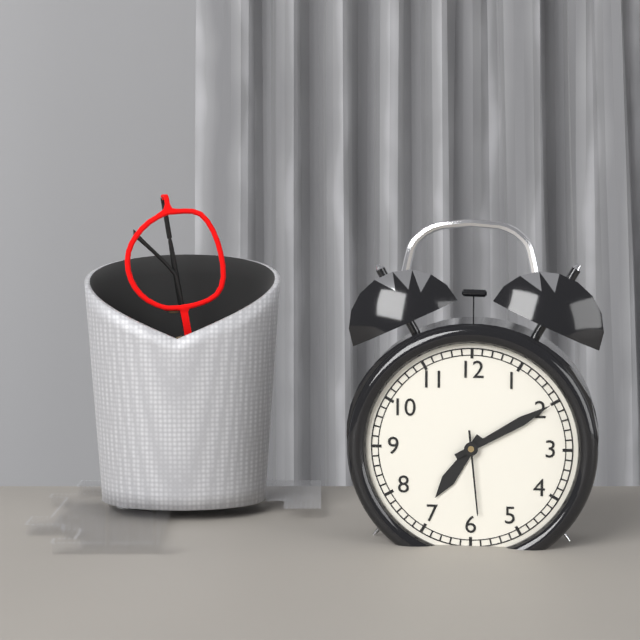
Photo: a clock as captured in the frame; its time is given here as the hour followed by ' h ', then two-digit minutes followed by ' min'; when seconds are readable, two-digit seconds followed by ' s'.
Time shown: 7 h 10 min 29 s
